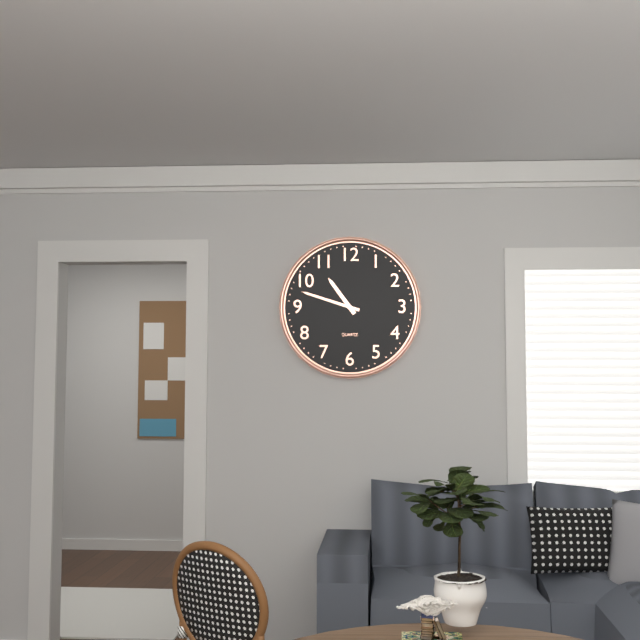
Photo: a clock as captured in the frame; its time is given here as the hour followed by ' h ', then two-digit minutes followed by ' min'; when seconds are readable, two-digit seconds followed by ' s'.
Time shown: 10 h 48 min
